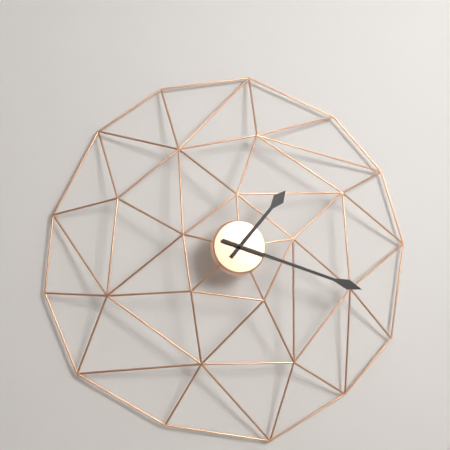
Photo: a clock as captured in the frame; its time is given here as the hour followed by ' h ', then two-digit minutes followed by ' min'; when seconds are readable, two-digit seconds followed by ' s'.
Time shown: 1 h 18 min
